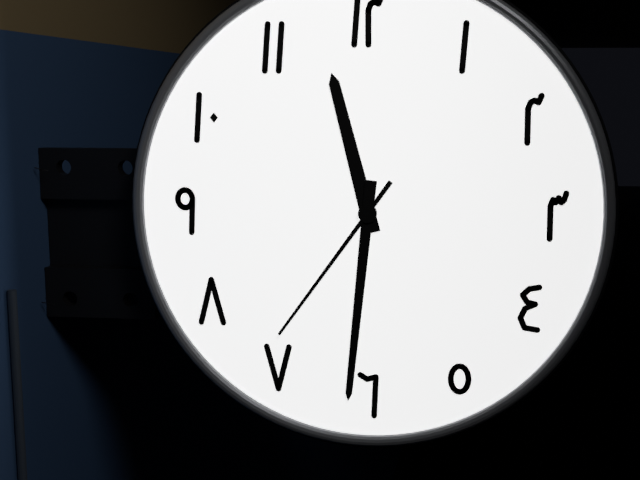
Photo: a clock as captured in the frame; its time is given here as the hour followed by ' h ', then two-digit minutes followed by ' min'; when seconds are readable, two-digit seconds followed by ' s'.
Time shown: 11 h 31 min 36 s
